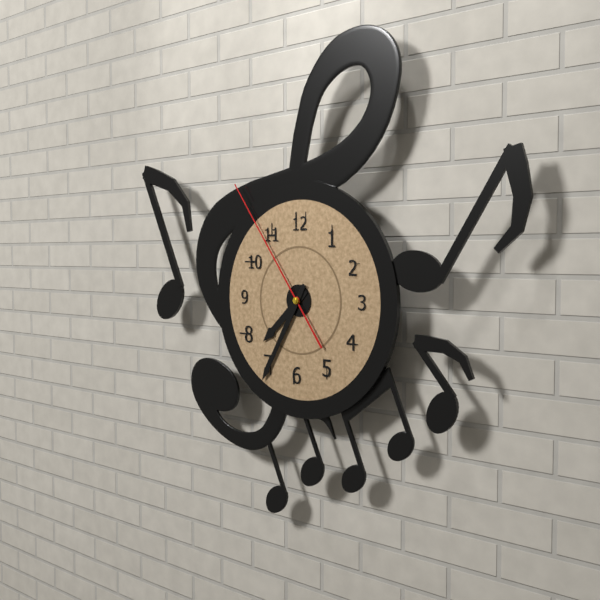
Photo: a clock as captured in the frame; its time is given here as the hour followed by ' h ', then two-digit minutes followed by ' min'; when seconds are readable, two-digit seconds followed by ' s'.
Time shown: 7 h 35 min 54 s
